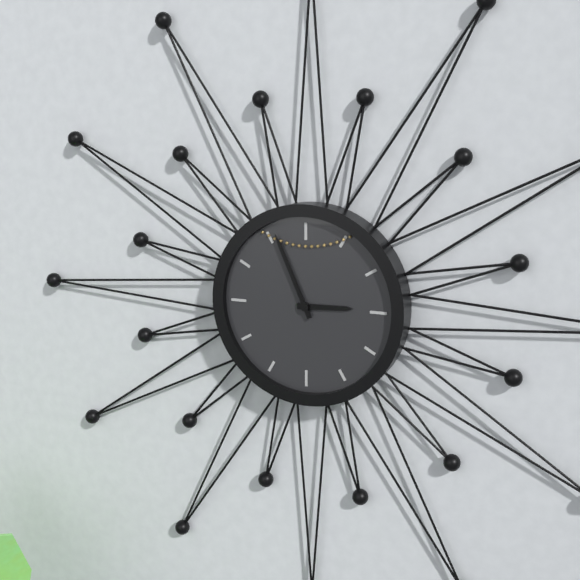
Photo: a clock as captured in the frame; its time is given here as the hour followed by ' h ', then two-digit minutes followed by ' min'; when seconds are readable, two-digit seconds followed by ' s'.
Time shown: 2 h 56 min
